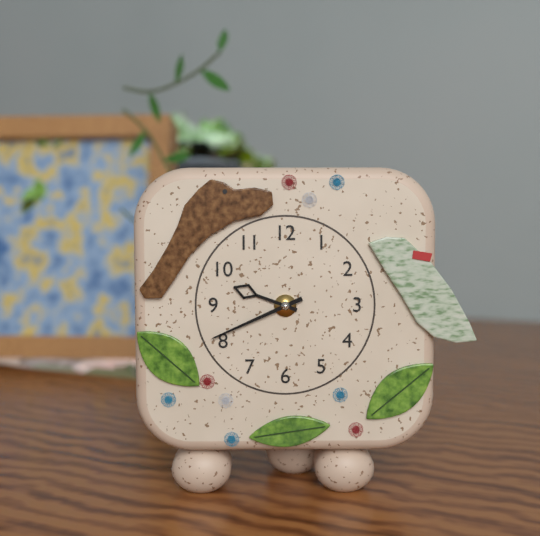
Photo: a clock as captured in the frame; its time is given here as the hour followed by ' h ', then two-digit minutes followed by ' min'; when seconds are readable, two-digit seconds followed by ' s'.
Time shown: 9 h 41 min
